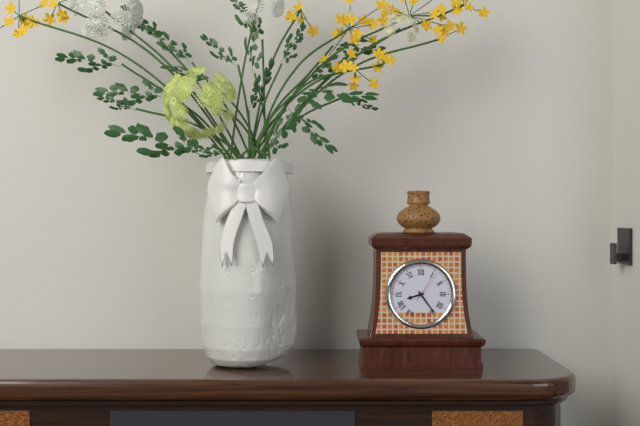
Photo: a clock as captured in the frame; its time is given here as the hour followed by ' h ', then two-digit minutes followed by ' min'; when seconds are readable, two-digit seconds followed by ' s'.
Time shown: 8 h 24 min
